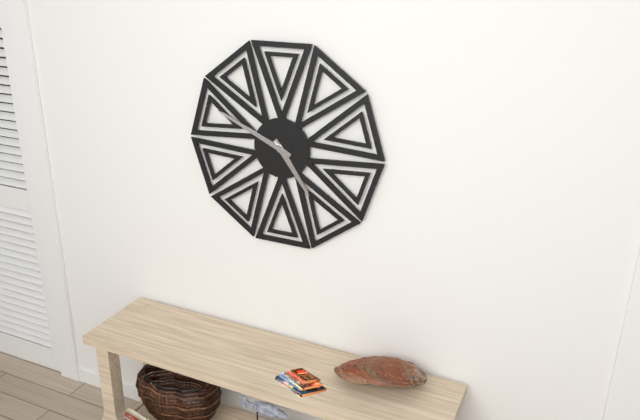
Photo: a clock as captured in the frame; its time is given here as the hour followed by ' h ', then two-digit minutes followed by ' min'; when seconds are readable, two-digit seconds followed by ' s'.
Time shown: 4 h 49 min
